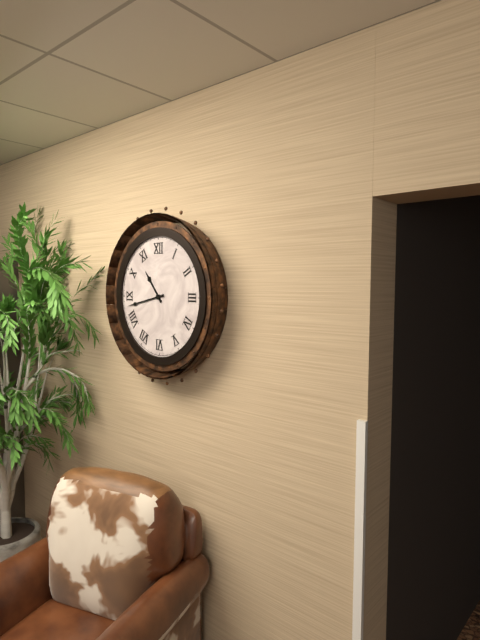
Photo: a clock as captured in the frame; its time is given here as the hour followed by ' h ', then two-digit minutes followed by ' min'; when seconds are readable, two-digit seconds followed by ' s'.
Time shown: 10 h 43 min
